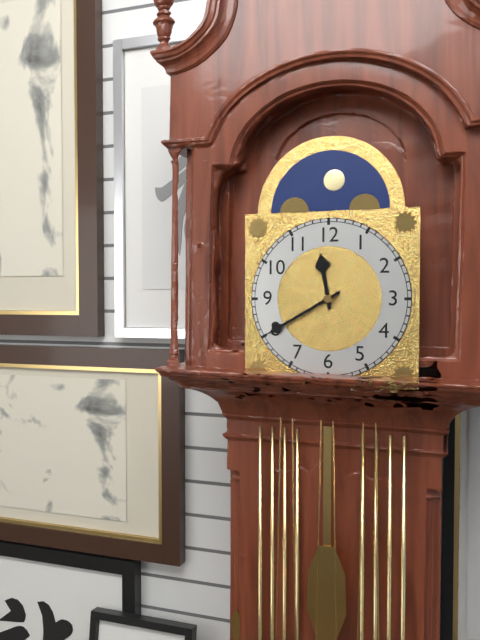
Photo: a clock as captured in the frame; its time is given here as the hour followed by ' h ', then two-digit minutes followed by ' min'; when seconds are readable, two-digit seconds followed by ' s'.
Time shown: 11 h 40 min
